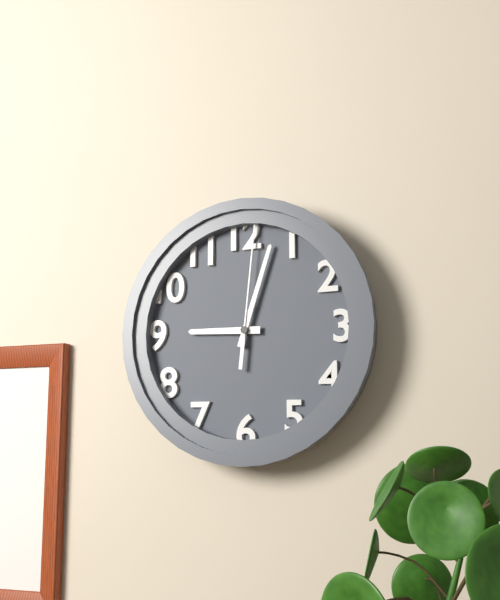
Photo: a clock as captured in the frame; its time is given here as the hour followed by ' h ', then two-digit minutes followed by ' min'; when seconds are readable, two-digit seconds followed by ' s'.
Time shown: 9 h 03 min 01 s
